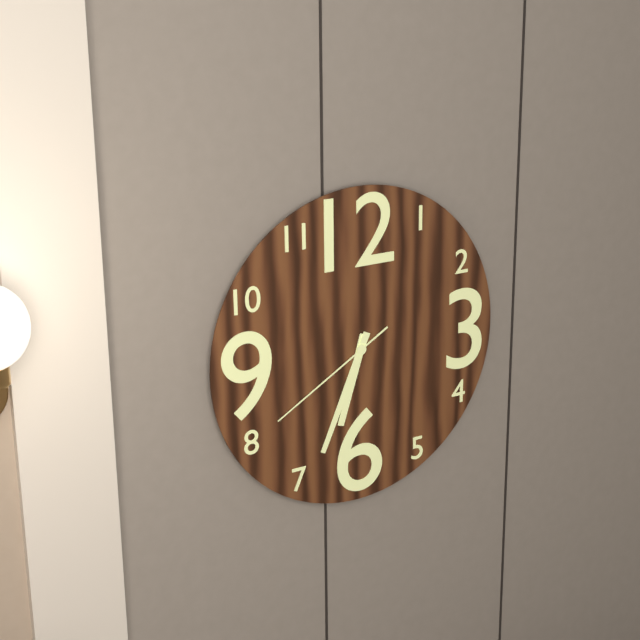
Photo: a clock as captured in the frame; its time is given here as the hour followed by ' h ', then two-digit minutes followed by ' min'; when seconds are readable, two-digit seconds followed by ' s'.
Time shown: 6 h 34 min 40 s
